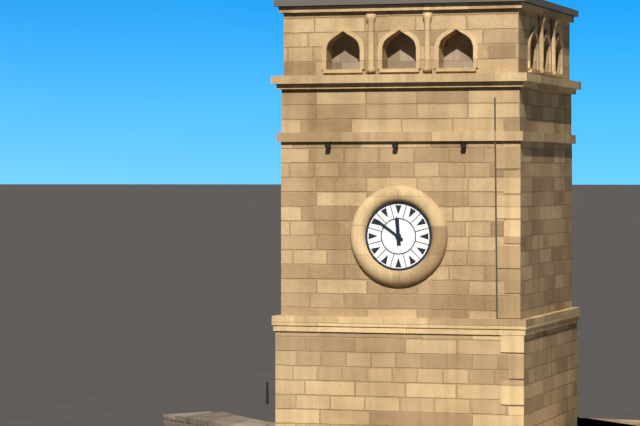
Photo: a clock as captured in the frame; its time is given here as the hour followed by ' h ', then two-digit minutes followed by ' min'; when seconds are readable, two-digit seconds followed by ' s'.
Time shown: 11 h 51 min
